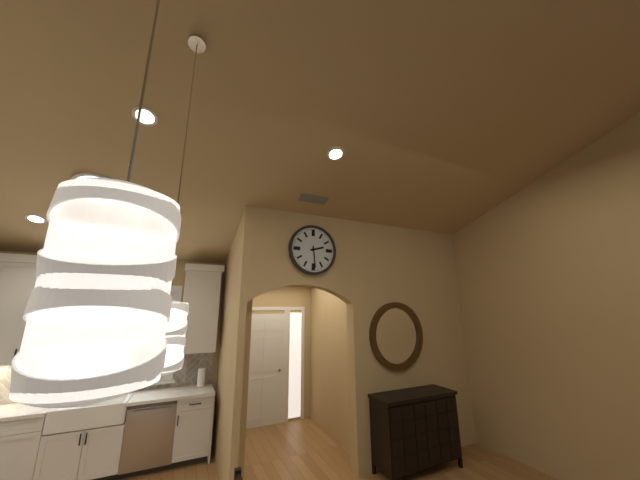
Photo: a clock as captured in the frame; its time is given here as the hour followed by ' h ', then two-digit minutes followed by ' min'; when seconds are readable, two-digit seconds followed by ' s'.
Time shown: 2 h 29 min
